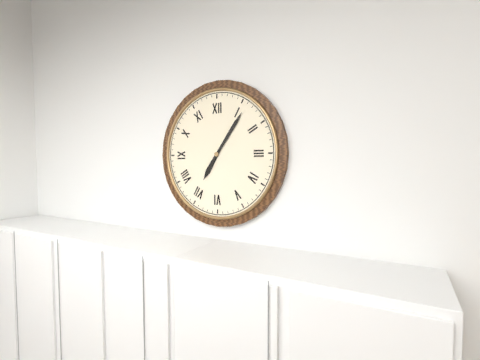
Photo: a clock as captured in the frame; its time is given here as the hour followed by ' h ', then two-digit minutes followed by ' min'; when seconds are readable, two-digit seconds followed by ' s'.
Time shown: 7 h 06 min
